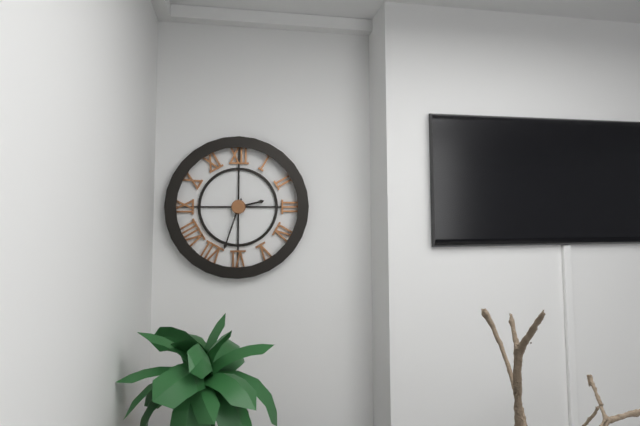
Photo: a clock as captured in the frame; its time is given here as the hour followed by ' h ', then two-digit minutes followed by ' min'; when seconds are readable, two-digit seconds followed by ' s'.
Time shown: 2 h 33 min
